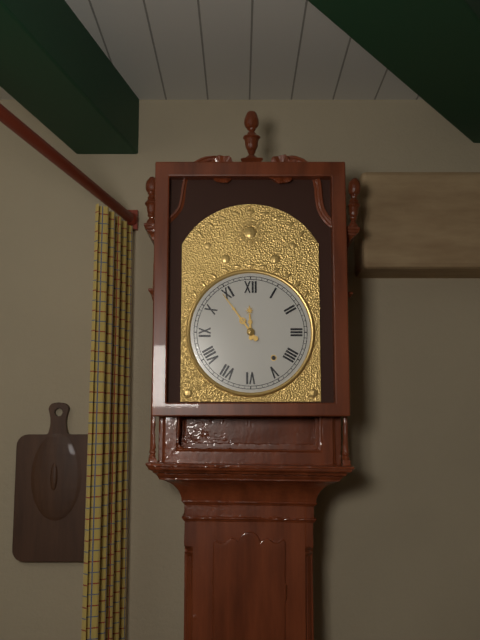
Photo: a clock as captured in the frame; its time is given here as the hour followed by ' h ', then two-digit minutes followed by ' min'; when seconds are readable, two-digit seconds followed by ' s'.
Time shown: 11 h 54 min
